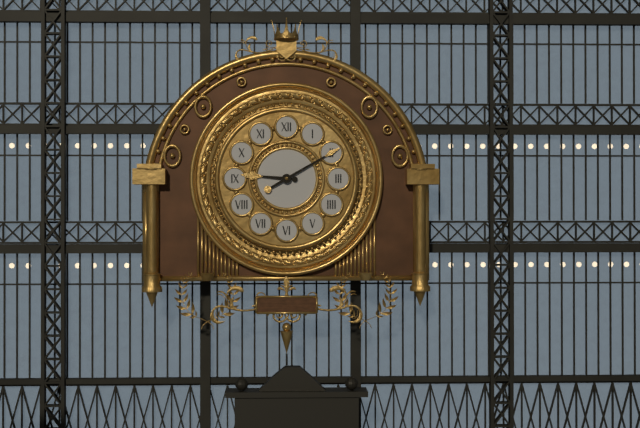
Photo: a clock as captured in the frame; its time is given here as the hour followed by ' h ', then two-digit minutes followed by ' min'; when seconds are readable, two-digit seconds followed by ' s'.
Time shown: 9 h 10 min
